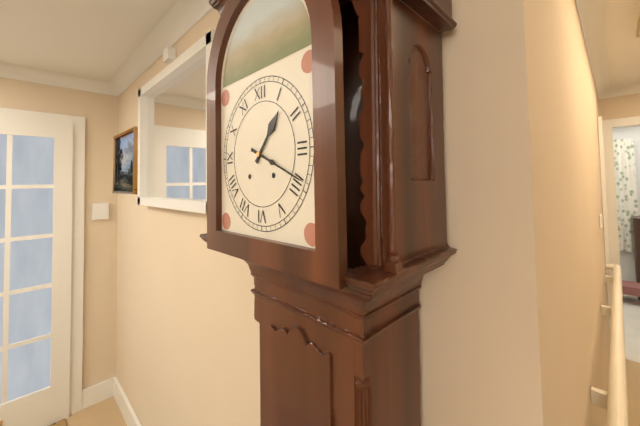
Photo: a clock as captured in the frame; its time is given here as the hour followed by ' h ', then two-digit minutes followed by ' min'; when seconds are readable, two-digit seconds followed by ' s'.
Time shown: 1 h 19 min
